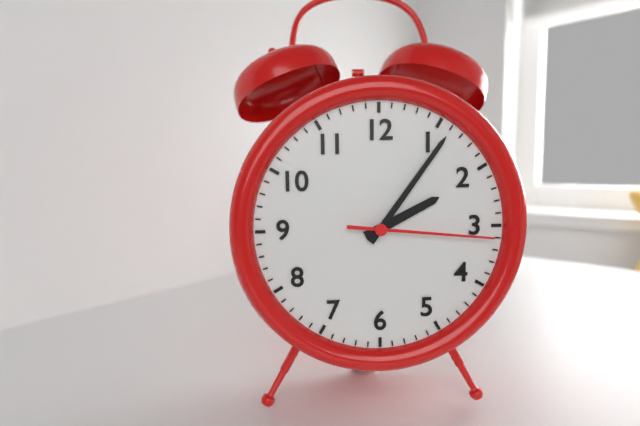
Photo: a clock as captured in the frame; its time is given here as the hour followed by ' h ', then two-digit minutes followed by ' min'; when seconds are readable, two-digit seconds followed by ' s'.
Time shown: 2 h 06 min 16 s
